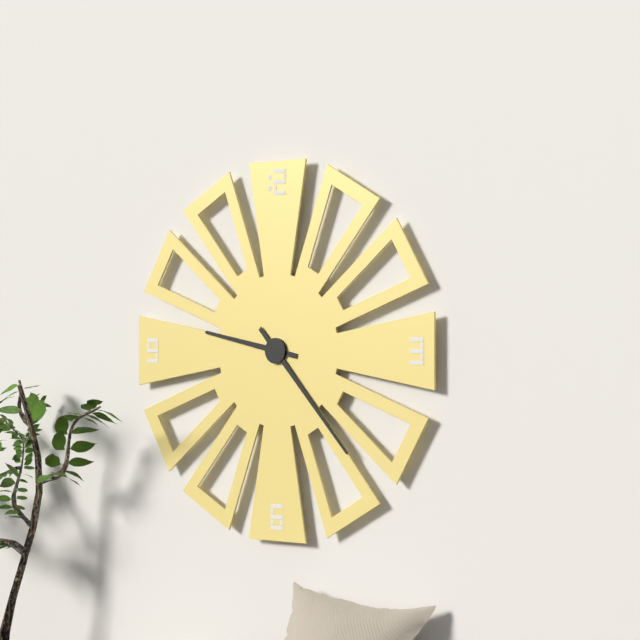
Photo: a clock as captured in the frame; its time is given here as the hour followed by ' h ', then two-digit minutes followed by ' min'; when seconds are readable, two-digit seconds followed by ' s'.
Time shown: 9 h 23 min
